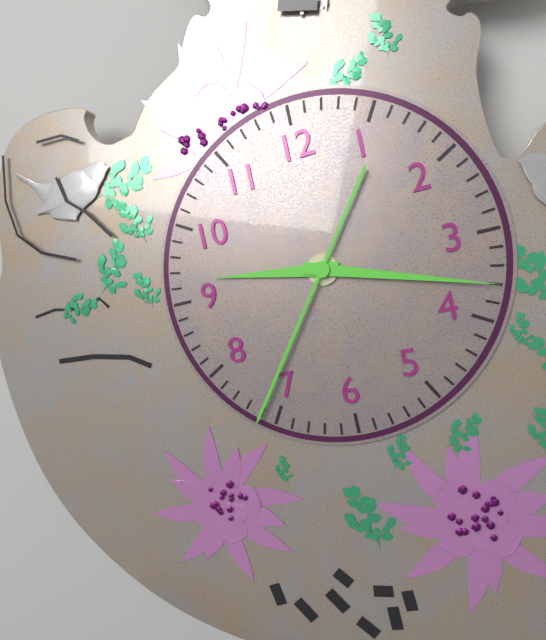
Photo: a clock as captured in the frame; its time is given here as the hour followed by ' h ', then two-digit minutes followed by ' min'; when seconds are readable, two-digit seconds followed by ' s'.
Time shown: 9 h 18 min 36 s
